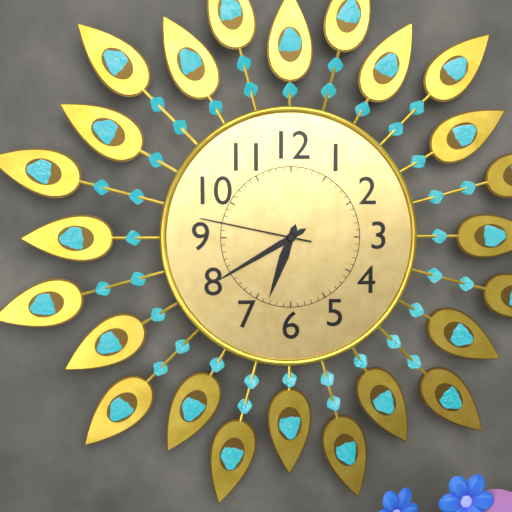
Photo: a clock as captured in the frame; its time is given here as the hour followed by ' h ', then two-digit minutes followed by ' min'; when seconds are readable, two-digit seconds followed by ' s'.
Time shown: 6 h 40 min 47 s
